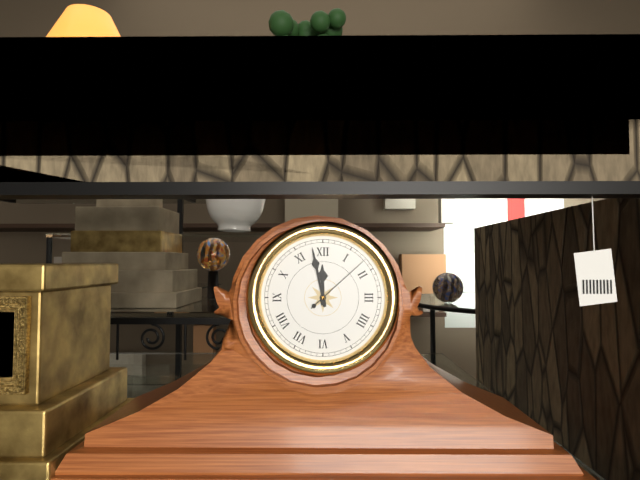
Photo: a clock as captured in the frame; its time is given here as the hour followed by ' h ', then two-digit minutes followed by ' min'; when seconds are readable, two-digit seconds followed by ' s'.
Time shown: 11 h 58 min 08 s
